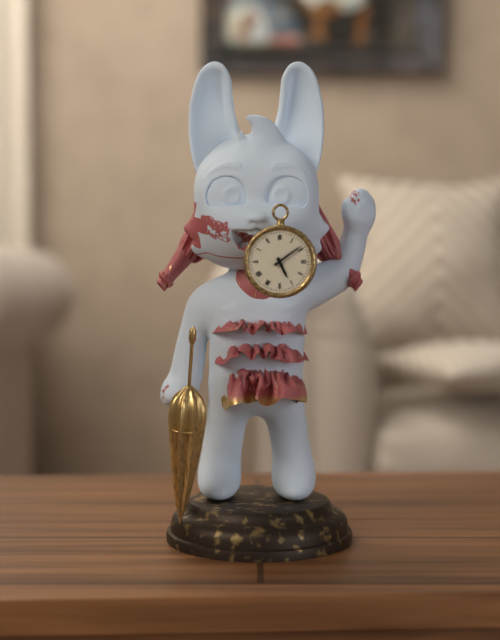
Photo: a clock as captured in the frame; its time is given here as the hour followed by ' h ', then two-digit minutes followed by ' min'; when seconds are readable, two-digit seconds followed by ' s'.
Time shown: 5 h 09 min
